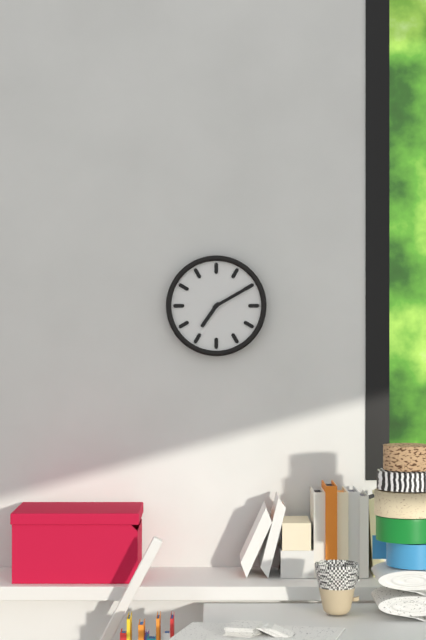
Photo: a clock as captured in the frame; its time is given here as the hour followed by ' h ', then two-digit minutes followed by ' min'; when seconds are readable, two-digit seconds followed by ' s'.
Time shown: 7 h 10 min
